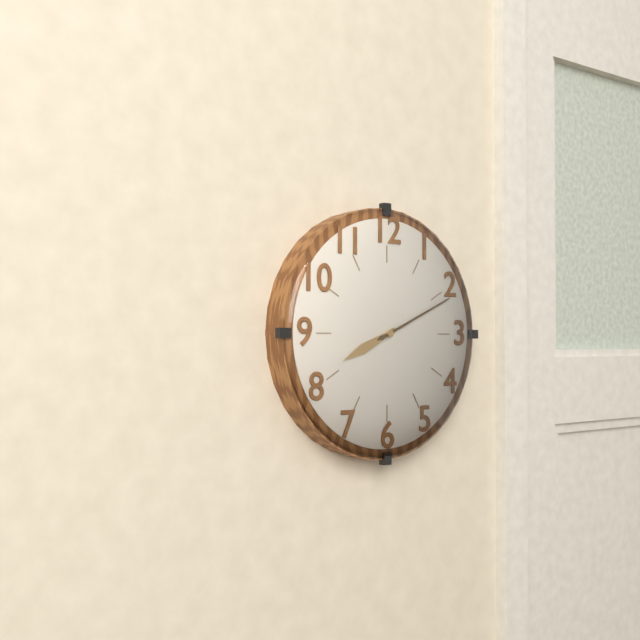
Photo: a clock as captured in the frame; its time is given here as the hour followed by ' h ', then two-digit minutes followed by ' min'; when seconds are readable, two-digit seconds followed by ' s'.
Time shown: 8 h 11 min
